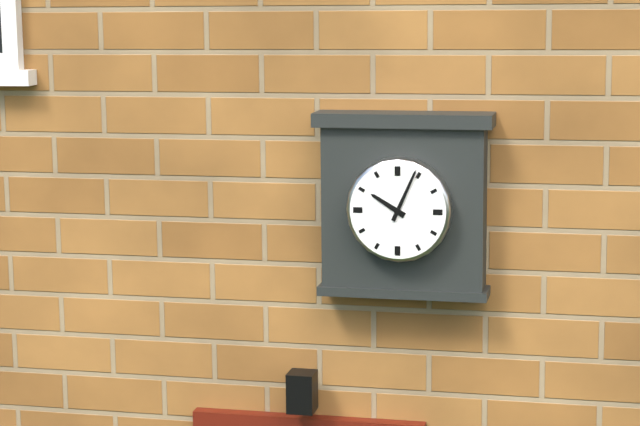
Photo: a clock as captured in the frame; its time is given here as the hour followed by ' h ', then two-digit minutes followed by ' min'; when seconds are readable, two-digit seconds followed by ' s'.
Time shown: 10 h 04 min
